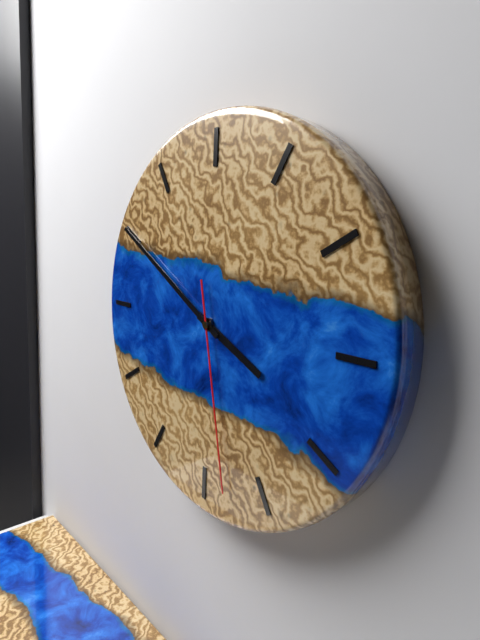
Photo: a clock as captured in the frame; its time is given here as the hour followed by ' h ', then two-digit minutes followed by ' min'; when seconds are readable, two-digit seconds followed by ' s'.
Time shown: 3 h 50 min 28 s
